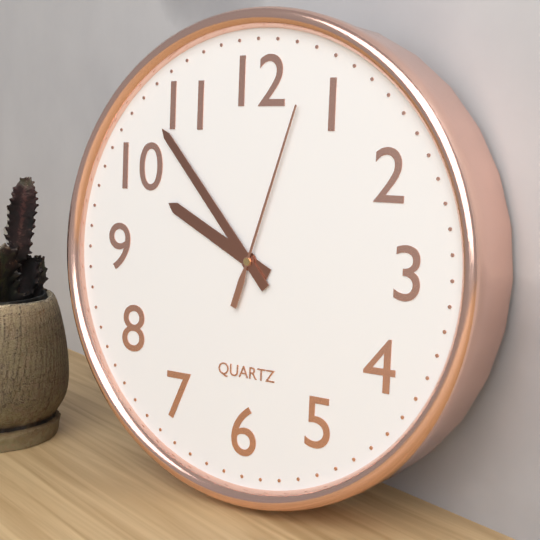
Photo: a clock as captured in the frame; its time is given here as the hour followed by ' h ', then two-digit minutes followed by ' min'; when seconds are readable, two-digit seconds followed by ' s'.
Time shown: 9 h 53 min 03 s
